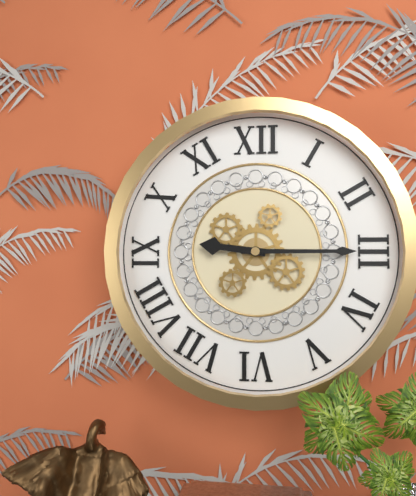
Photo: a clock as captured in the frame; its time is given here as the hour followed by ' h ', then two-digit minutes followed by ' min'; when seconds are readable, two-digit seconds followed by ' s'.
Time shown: 9 h 15 min
